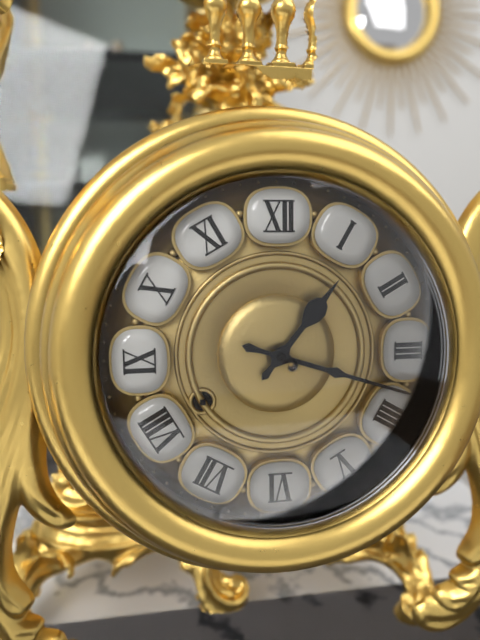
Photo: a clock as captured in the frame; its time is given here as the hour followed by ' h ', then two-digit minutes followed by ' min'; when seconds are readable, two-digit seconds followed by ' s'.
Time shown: 1 h 18 min
